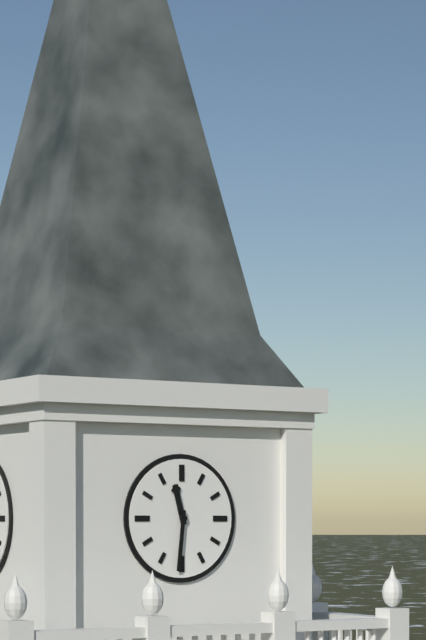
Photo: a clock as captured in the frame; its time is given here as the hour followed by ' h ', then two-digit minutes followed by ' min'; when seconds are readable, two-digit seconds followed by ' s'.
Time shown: 11 h 31 min
